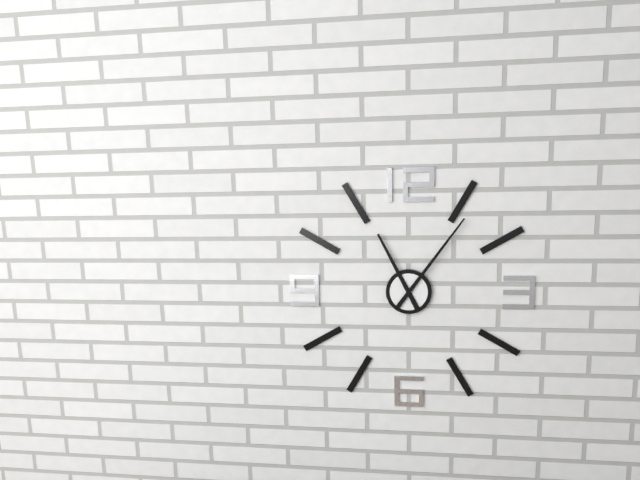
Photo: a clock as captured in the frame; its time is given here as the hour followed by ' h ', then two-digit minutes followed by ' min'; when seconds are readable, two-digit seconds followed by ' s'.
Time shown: 11 h 06 min
